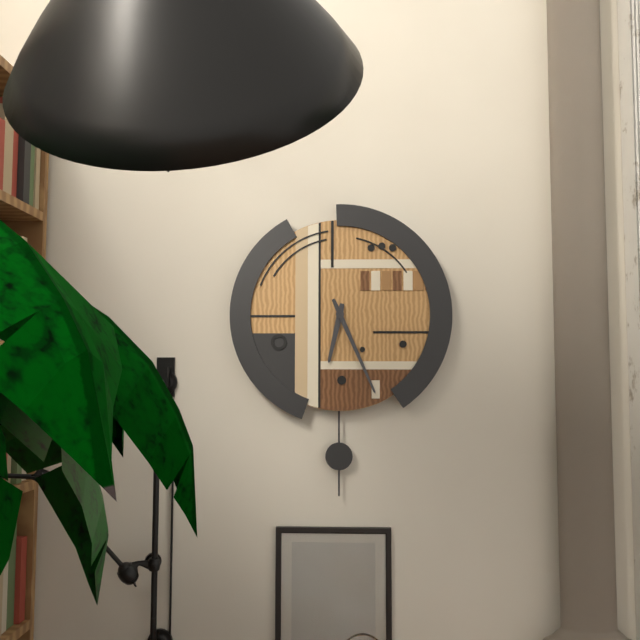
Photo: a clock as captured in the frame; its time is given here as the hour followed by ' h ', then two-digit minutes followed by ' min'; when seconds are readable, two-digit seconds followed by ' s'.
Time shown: 6 h 26 min
